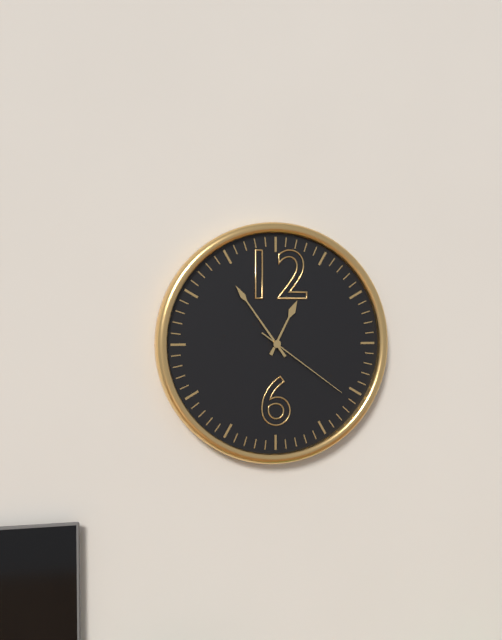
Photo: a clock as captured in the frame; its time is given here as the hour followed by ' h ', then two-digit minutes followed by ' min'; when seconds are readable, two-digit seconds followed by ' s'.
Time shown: 12 h 54 min 21 s
